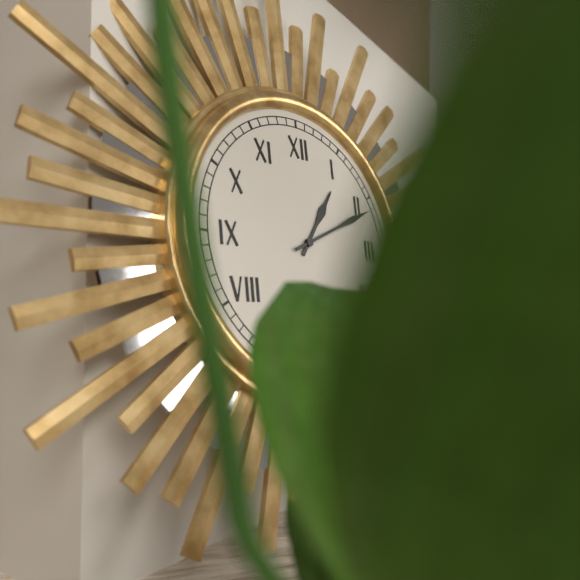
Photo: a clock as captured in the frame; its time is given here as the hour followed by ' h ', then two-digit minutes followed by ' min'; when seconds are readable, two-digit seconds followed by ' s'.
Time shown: 1 h 11 min
